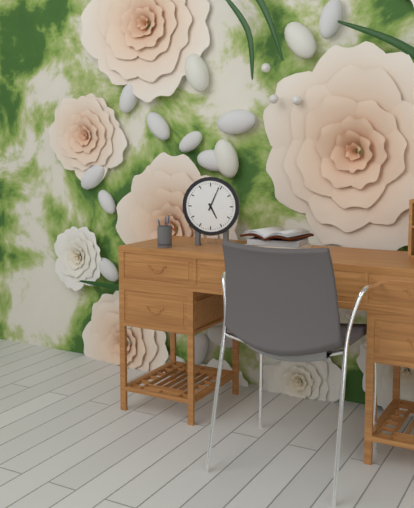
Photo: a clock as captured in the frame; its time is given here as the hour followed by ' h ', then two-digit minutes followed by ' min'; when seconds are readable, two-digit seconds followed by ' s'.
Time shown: 5 h 04 min
